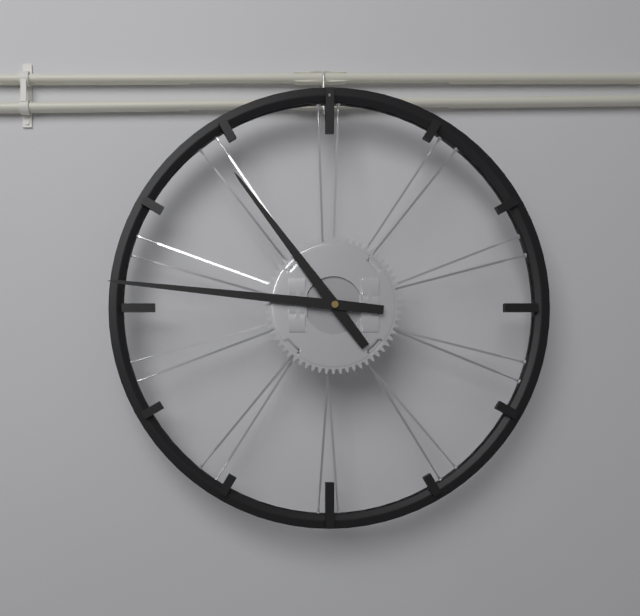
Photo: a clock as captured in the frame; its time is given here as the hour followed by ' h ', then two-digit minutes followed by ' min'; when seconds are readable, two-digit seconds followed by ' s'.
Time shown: 10 h 46 min
